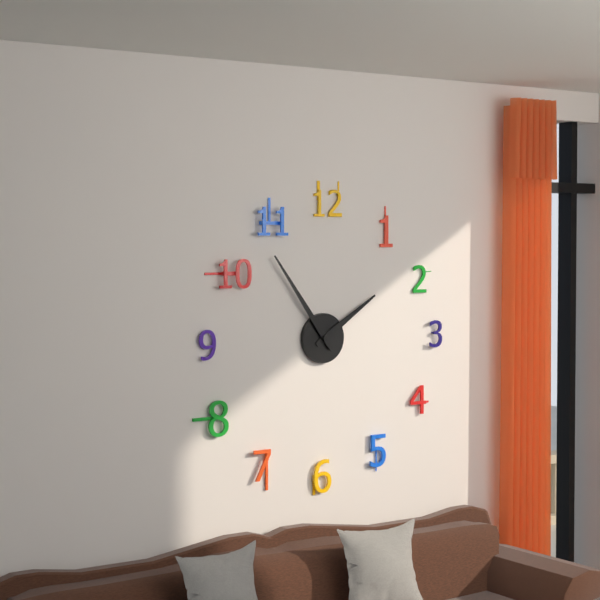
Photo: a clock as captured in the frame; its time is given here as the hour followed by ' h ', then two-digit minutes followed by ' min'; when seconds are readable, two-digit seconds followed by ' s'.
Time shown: 1 h 54 min
